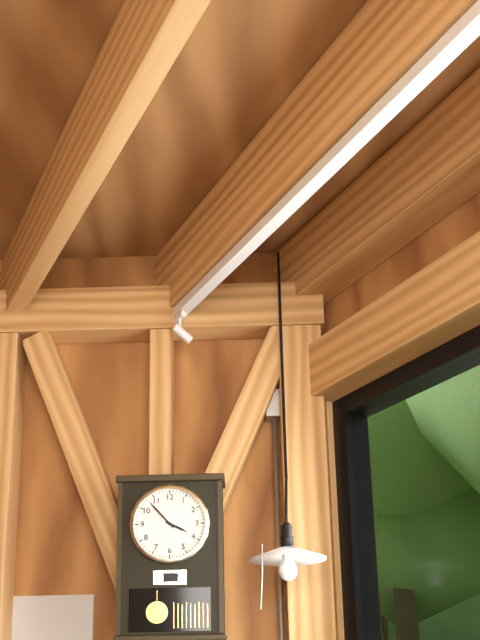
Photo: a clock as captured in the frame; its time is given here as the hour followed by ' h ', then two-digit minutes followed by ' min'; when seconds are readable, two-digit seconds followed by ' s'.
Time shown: 3 h 53 min
